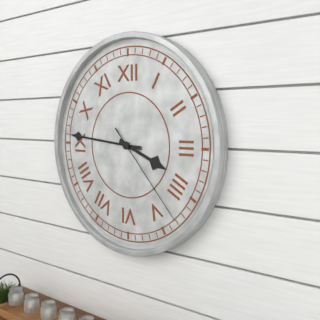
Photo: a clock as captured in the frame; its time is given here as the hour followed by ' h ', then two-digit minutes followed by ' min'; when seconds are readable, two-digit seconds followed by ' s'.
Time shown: 3 h 46 min 23 s
